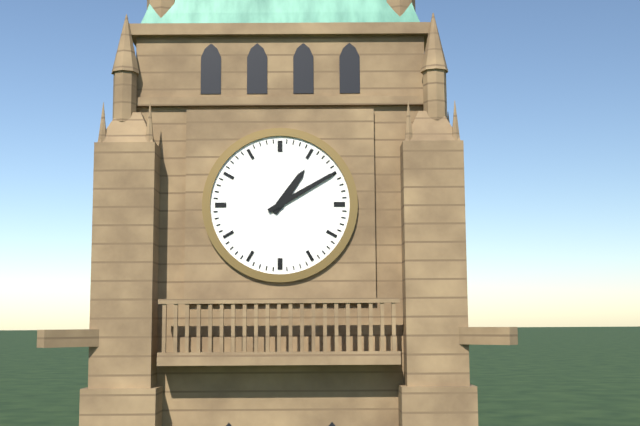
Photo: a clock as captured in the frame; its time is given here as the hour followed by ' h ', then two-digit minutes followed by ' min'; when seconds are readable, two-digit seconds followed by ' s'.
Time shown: 1 h 10 min
